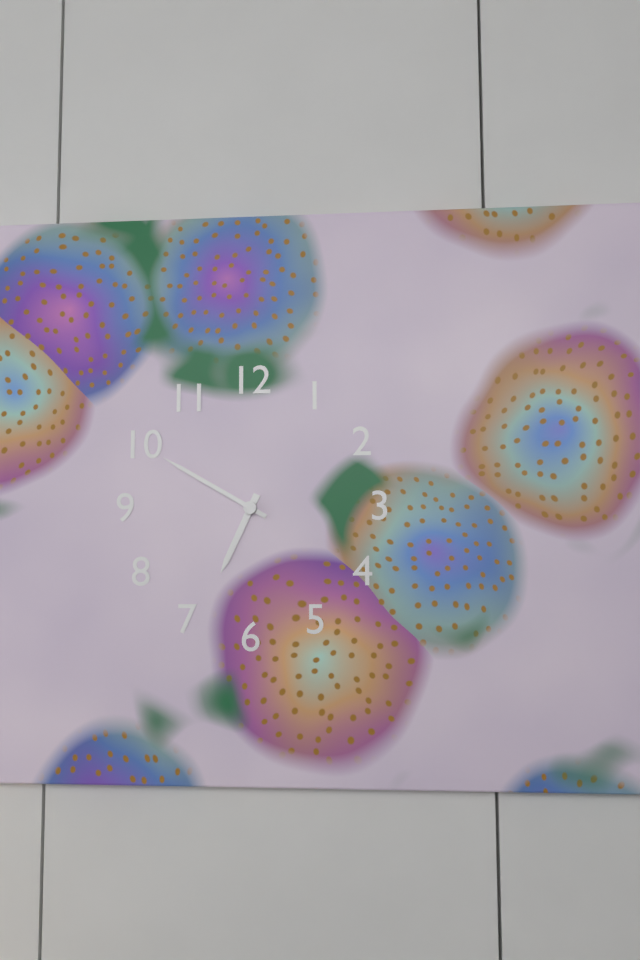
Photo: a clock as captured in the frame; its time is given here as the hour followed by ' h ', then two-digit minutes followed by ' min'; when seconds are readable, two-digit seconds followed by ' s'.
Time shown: 6 h 50 min
